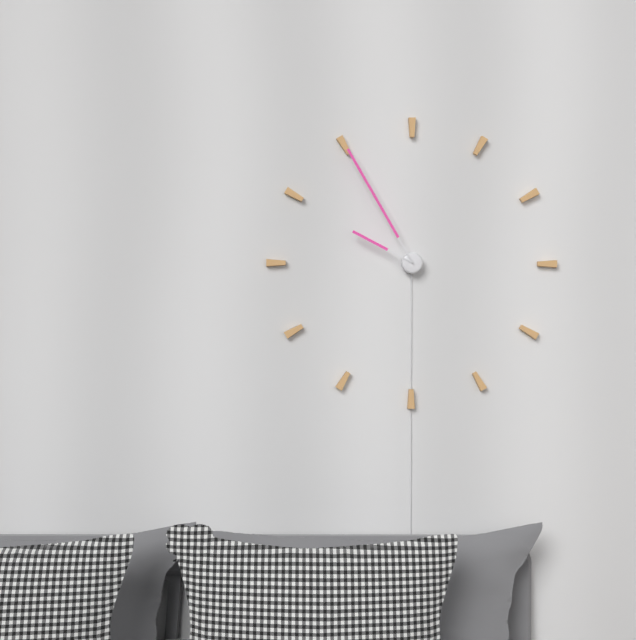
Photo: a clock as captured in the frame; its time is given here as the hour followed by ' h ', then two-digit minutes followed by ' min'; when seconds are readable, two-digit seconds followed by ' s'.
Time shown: 9 h 55 min
